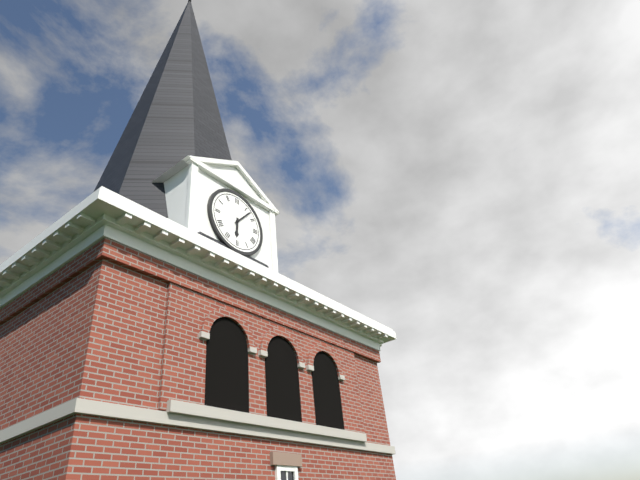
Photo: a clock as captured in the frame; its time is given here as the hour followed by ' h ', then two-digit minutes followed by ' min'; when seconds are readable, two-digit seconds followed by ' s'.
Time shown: 6 h 07 min
